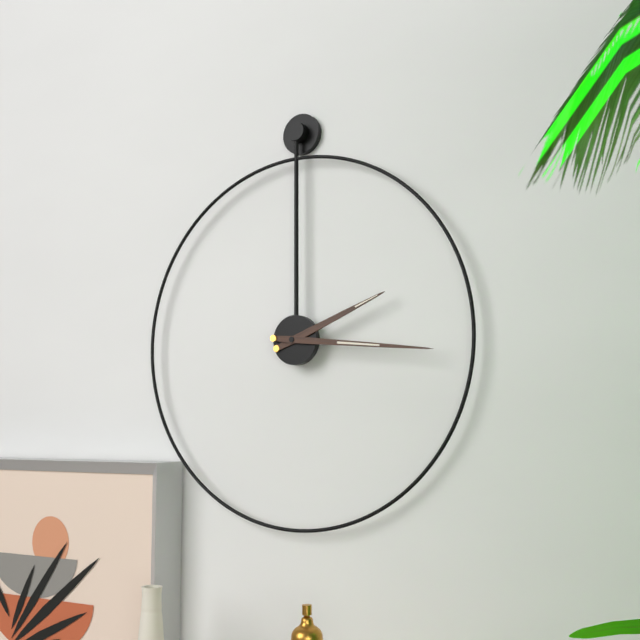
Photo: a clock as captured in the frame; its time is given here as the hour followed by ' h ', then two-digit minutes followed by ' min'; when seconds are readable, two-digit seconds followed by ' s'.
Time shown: 2 h 16 min
